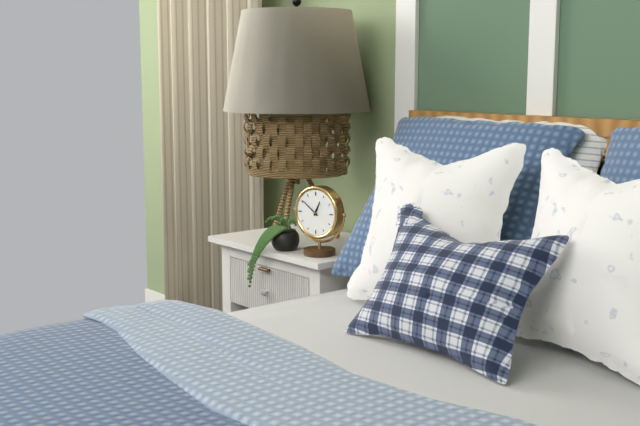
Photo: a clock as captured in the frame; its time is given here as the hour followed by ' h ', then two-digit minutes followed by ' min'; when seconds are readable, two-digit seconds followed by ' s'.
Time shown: 12 h 51 min
